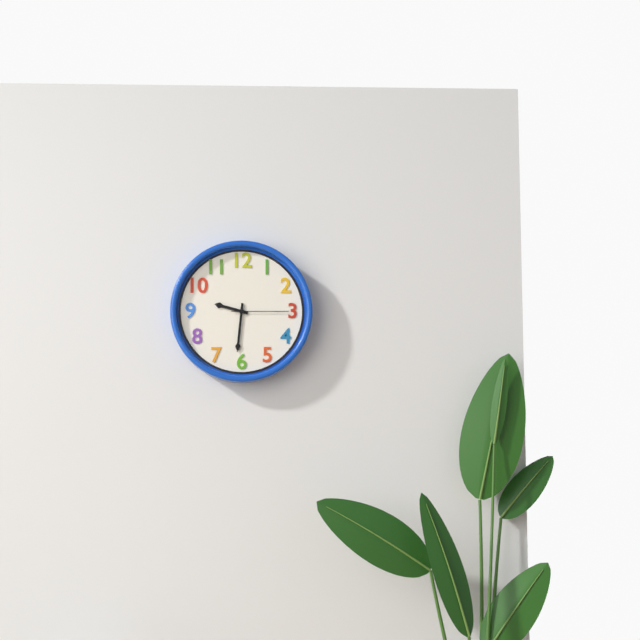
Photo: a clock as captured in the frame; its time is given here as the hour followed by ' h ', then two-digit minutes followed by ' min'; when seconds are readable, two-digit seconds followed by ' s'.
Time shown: 9 h 31 min 15 s
